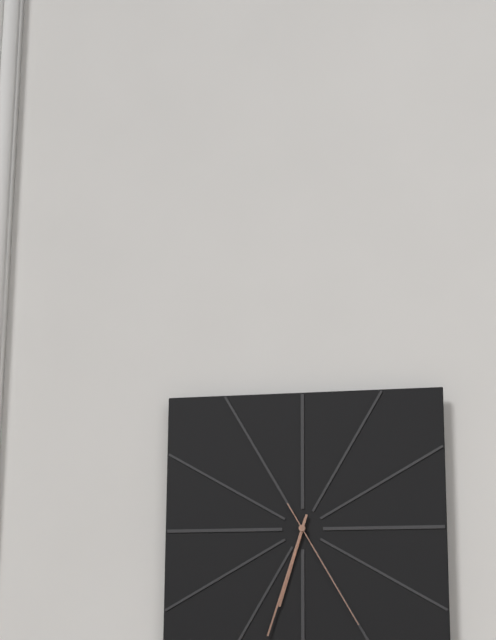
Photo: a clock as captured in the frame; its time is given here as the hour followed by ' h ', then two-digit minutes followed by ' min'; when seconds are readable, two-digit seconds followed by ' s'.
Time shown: 6 h 33 min 25 s
